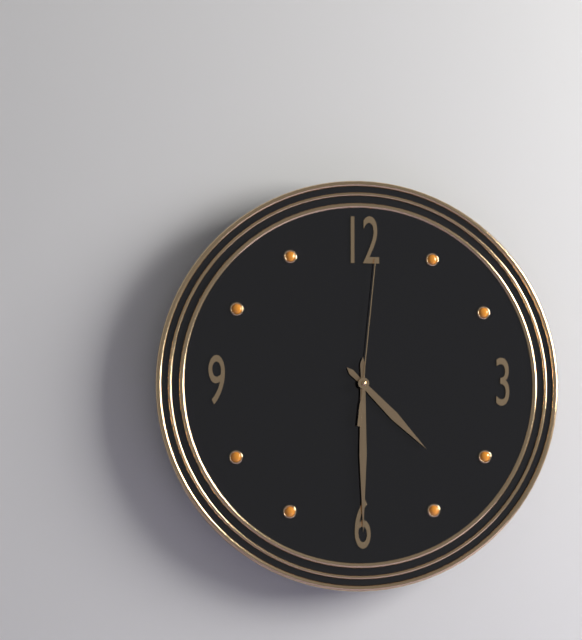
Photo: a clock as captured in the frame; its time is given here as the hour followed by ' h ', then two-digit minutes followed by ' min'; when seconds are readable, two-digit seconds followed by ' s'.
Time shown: 4 h 30 min 01 s
